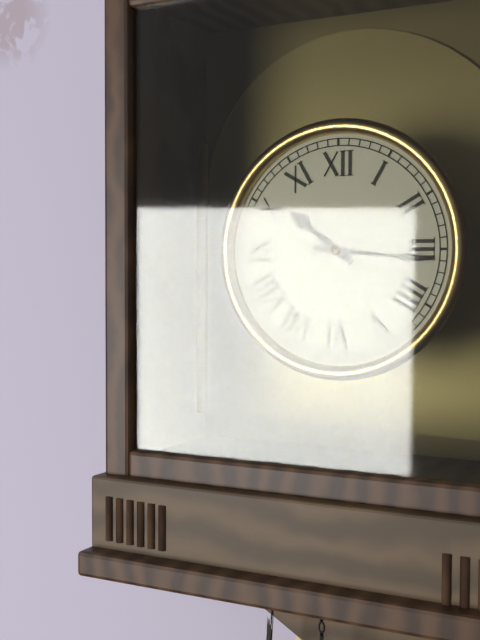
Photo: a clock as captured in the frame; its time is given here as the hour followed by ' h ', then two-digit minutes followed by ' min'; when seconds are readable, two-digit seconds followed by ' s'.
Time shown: 10 h 16 min
